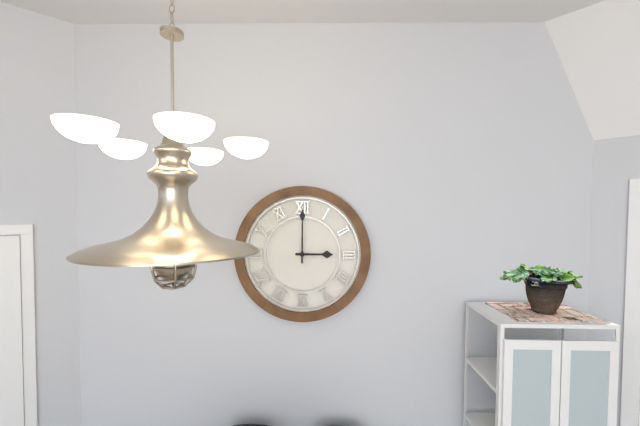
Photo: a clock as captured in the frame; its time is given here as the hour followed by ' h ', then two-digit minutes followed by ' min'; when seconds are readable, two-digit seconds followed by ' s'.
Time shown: 3 h 00 min
